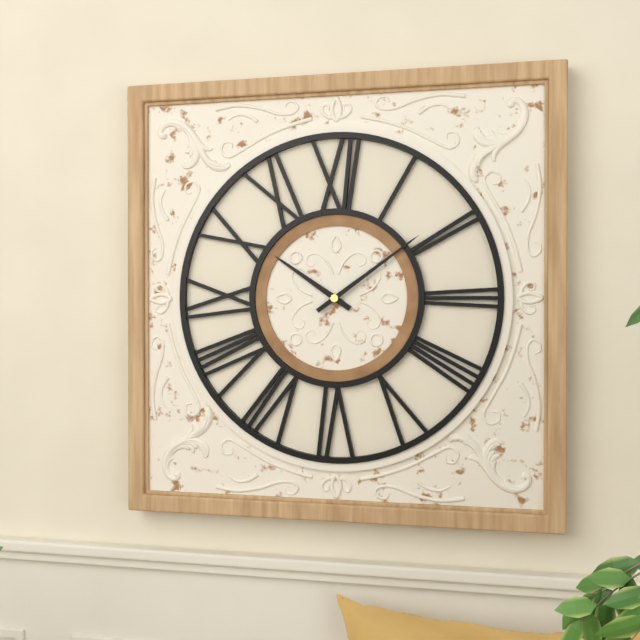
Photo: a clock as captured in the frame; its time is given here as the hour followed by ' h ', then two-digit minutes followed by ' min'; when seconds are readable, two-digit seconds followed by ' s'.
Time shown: 10 h 09 min
